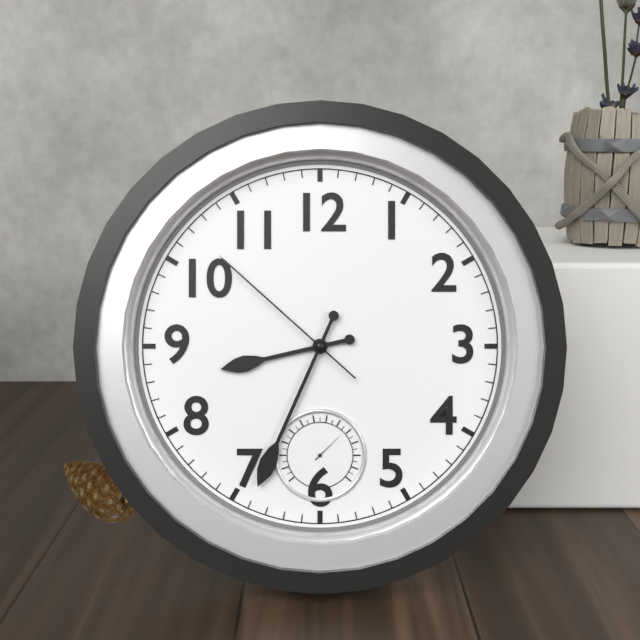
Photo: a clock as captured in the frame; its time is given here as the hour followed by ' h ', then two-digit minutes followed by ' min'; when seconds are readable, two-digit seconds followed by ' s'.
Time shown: 8 h 34 min 52 s
